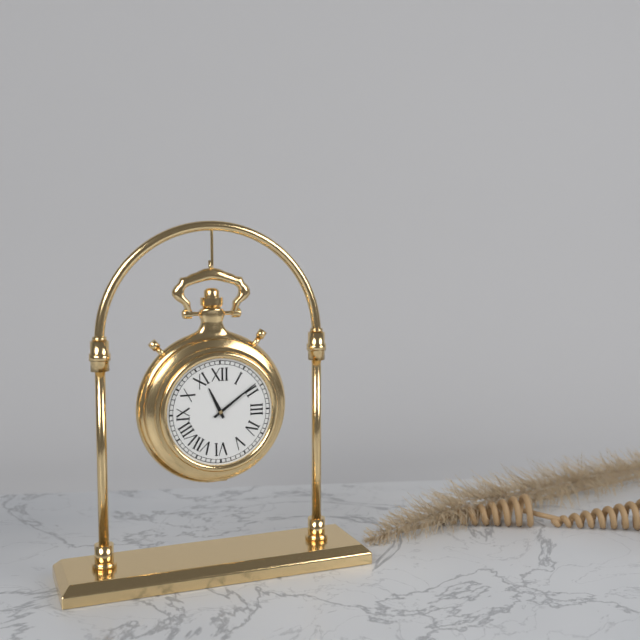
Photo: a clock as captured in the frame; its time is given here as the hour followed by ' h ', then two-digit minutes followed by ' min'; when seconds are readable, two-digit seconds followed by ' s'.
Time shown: 11 h 09 min
